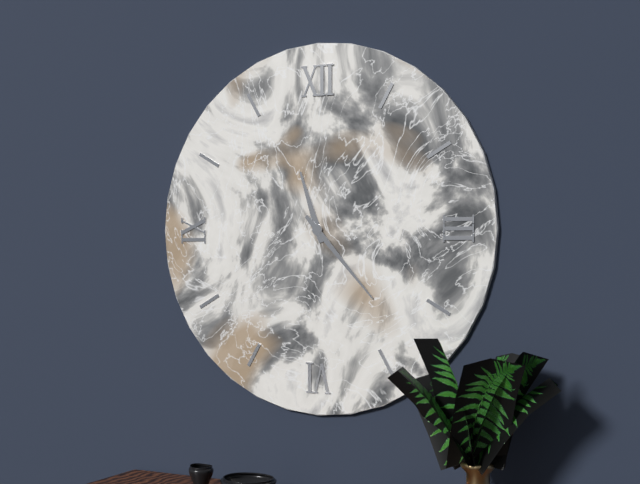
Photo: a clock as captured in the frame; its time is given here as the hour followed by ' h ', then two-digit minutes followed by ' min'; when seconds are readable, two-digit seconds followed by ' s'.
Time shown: 11 h 23 min
